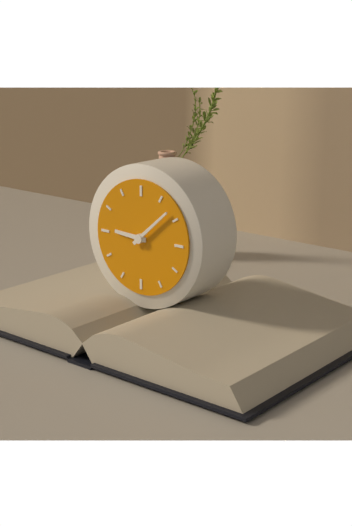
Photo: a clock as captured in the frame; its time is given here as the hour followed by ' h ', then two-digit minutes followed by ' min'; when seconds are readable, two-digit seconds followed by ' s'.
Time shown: 9 h 08 min
